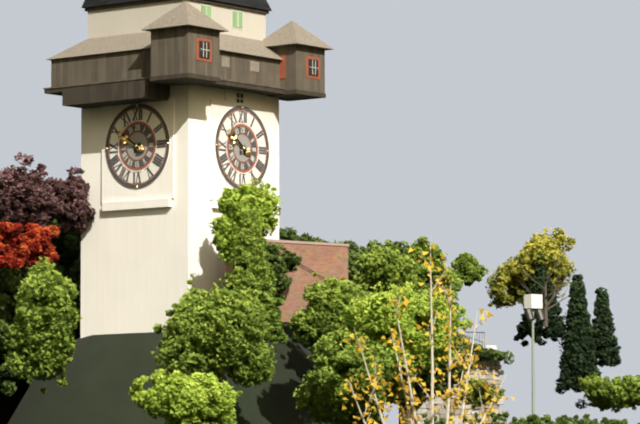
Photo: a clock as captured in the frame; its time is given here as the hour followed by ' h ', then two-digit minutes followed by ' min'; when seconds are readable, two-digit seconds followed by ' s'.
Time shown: 9 h 51 min
